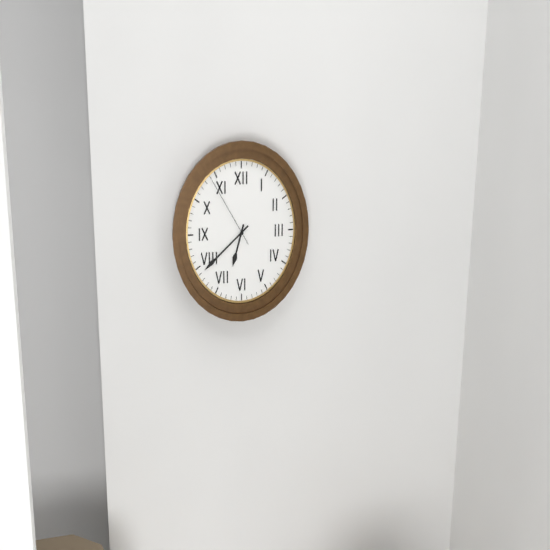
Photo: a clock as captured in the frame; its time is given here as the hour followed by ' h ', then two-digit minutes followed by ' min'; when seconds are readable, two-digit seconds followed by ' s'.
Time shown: 6 h 39 min 54 s
